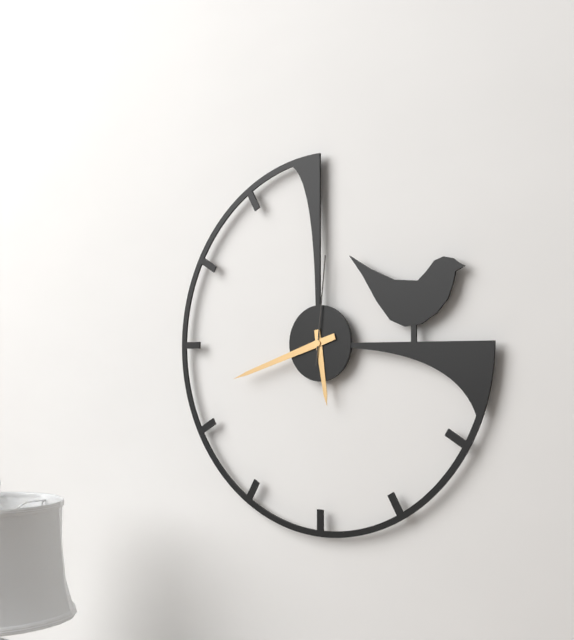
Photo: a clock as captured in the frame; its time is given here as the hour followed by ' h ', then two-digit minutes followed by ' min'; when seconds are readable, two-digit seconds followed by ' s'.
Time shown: 5 h 42 min 01 s
